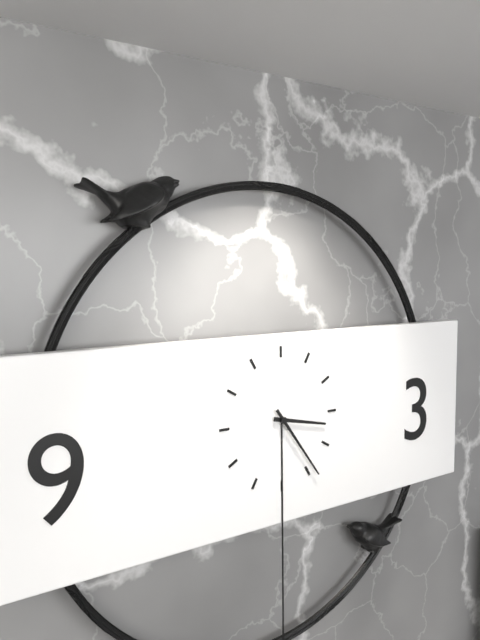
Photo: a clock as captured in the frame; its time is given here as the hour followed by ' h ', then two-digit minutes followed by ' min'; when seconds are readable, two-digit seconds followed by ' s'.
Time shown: 3 h 24 min
